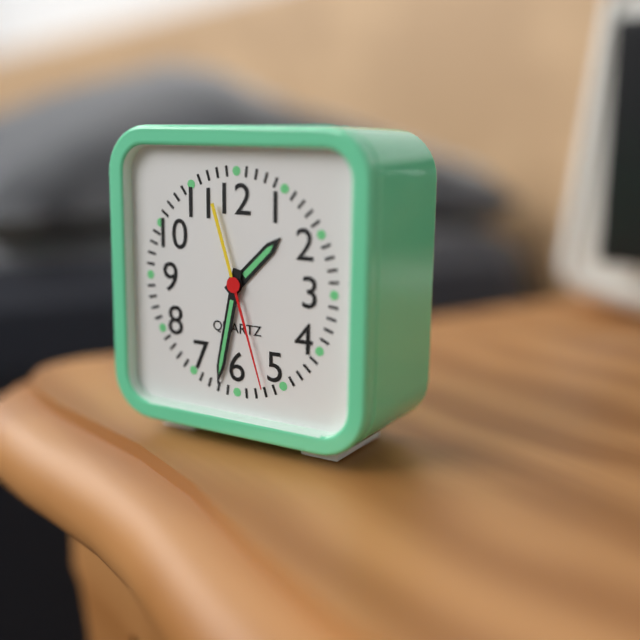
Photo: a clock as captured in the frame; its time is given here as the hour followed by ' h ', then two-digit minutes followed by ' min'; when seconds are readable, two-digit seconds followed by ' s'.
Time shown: 1 h 32 min 27 s
